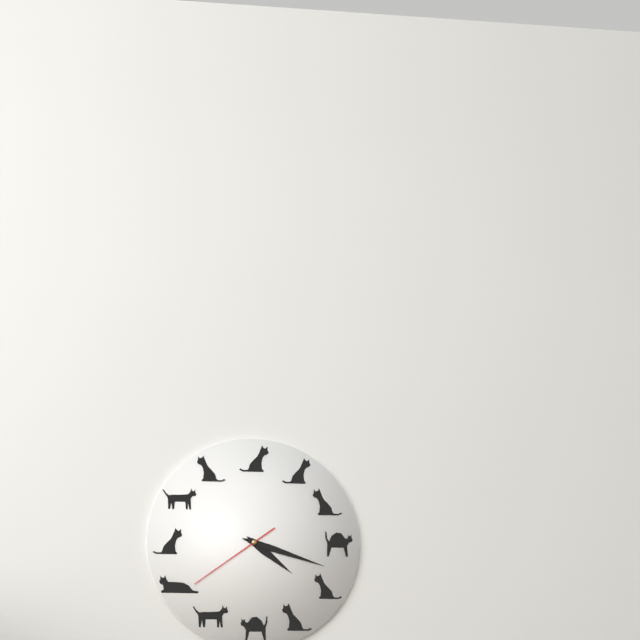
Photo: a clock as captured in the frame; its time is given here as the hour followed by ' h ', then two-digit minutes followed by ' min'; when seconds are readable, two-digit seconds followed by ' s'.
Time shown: 4 h 18 min 39 s
